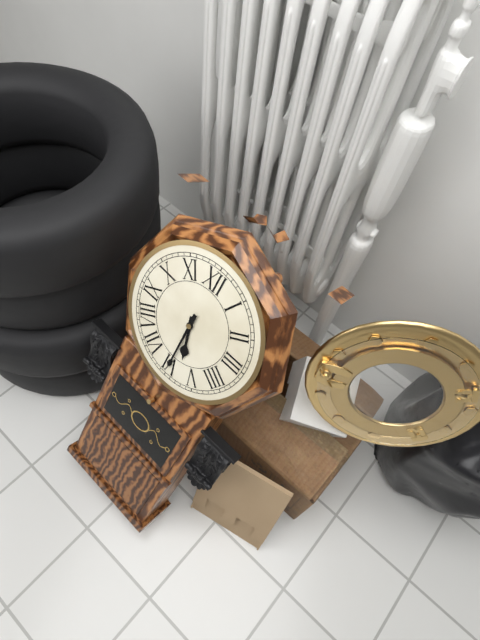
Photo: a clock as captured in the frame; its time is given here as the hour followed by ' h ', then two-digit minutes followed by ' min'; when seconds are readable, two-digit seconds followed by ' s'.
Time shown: 5 h 30 min
